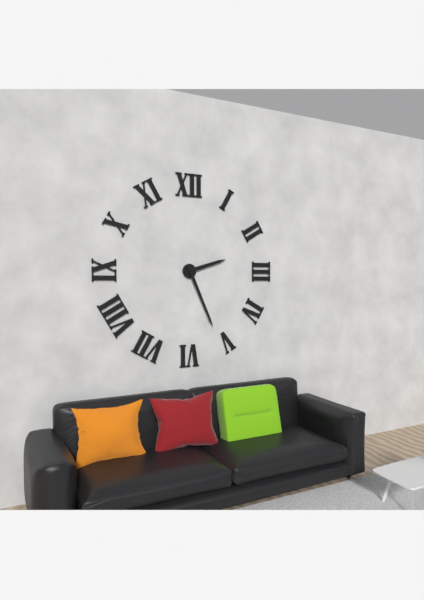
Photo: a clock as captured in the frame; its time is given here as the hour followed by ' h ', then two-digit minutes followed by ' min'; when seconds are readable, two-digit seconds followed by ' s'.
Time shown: 2 h 26 min
